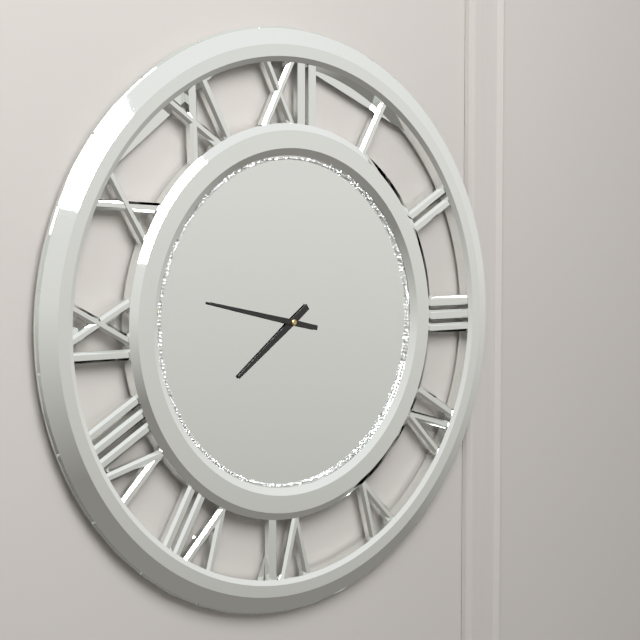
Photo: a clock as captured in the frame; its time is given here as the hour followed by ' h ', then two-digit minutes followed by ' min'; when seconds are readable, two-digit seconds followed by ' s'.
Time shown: 7 h 47 min
